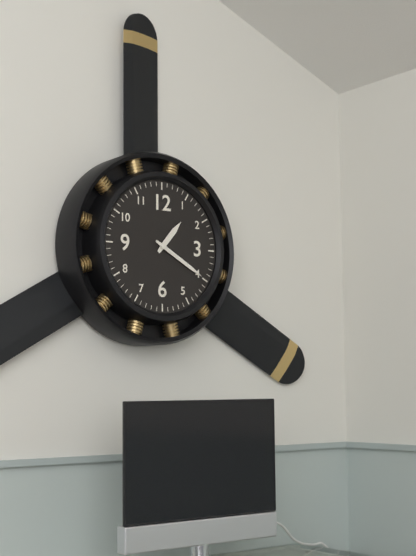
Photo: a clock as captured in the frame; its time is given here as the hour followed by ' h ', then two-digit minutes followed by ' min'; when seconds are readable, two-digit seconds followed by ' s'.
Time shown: 1 h 20 min
